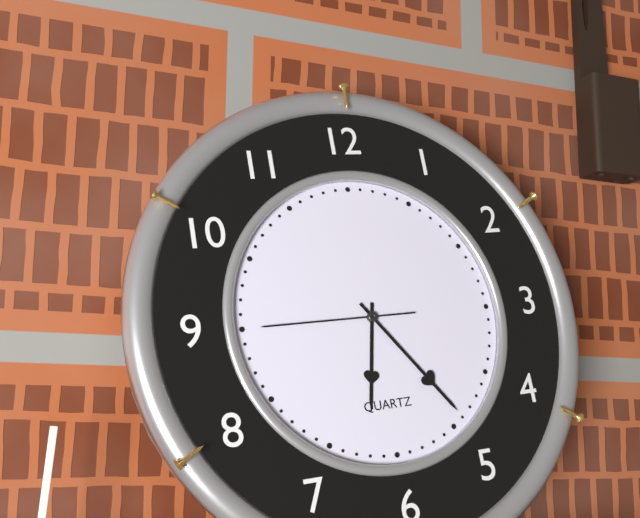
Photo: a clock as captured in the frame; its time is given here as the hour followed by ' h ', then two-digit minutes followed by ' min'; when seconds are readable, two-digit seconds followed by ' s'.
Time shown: 6 h 24 min 45 s
